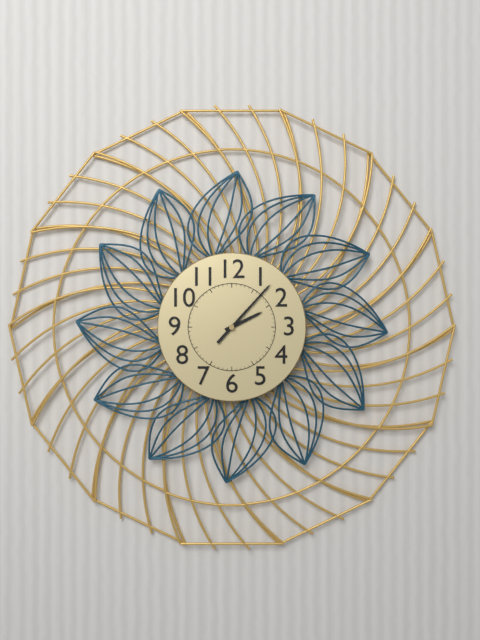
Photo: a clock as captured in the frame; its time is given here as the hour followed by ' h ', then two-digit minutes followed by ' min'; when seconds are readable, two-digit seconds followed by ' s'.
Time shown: 2 h 07 min
